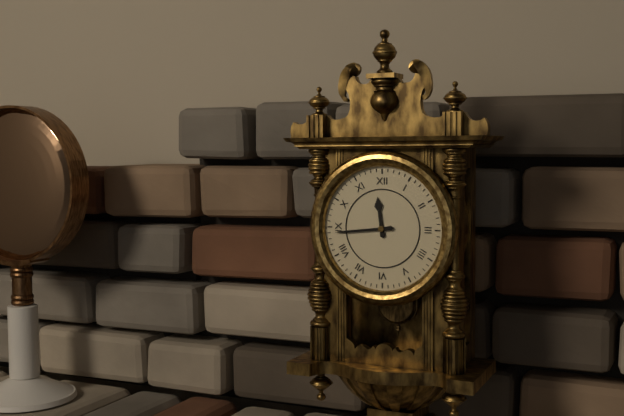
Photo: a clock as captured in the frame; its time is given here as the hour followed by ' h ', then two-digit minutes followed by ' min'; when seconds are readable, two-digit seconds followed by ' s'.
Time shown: 11 h 44 min
